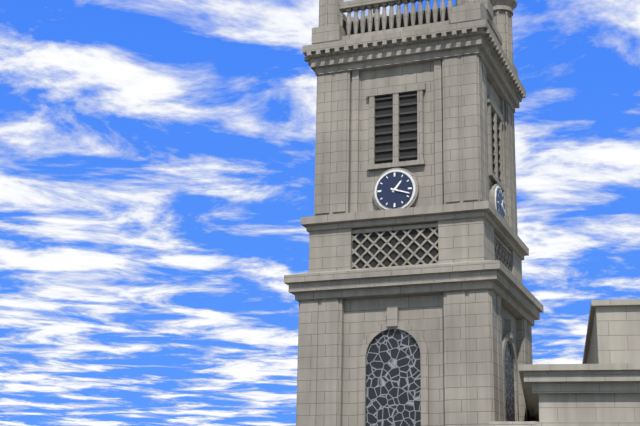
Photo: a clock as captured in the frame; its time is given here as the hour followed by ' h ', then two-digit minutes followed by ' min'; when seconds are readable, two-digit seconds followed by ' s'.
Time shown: 1 h 18 min
